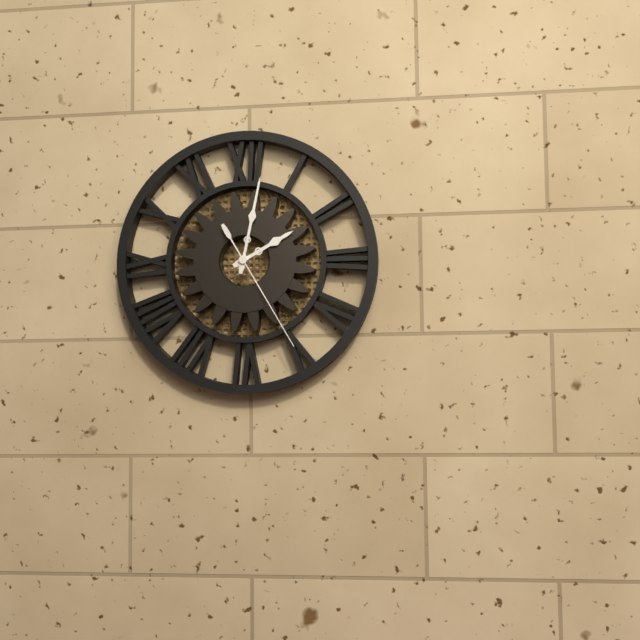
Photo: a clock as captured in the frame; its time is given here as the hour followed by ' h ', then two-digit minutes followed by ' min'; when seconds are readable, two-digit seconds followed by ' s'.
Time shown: 2 h 02 min 25 s
